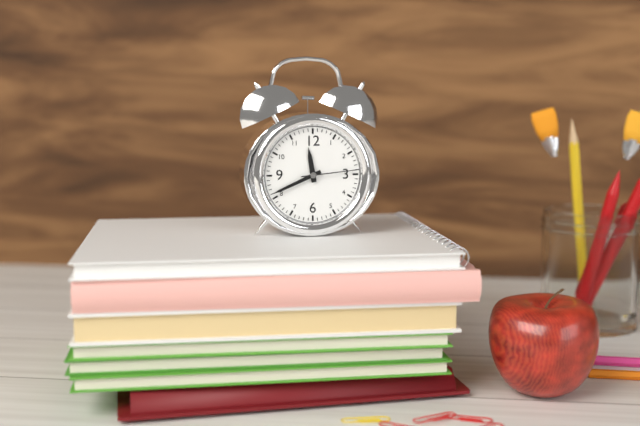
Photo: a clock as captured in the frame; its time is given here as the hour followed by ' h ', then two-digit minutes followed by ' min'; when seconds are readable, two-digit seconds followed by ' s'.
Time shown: 11 h 41 min 14 s
